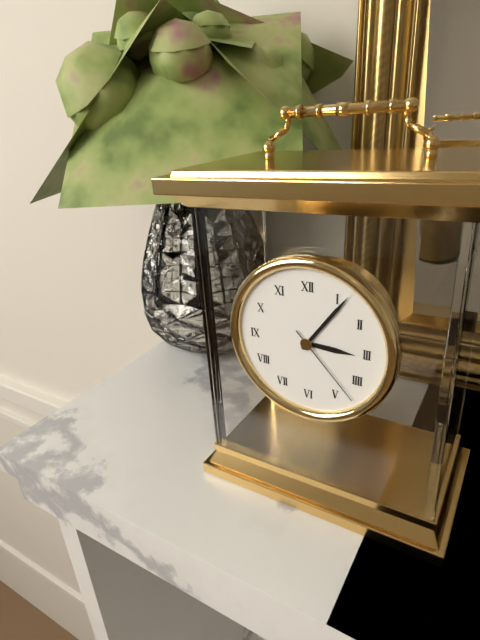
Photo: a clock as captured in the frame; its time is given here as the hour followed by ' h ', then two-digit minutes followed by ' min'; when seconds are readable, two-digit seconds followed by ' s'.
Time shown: 3 h 06 min 23 s
